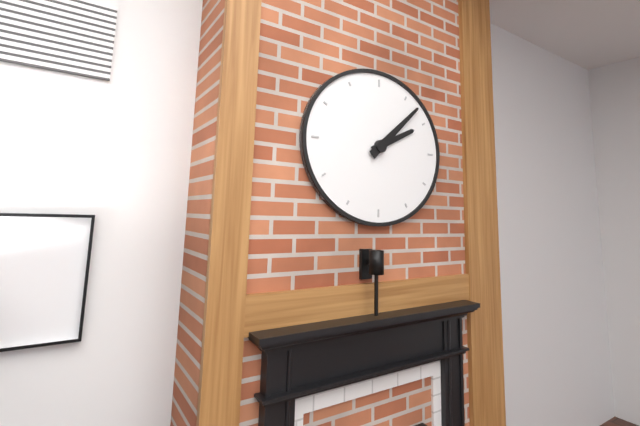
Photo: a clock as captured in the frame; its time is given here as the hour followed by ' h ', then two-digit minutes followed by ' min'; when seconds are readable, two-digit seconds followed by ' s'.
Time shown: 2 h 08 min
